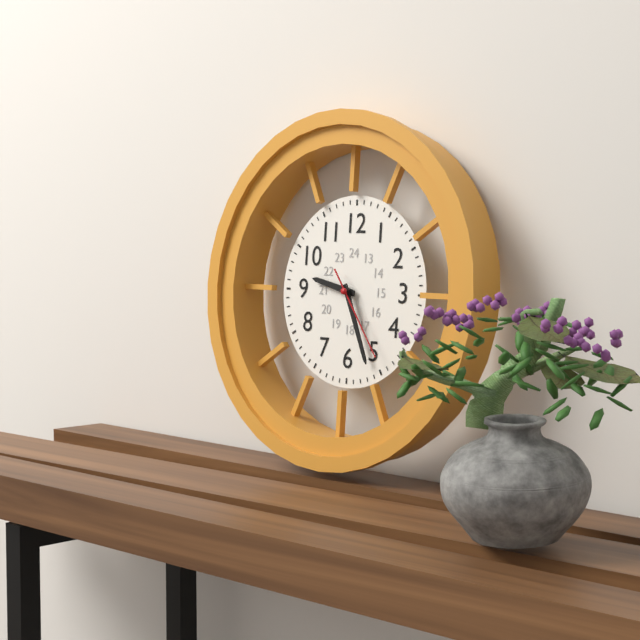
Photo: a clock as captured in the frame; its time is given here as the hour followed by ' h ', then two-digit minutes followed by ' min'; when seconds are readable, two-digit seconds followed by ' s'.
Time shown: 9 h 26 min 24 s
